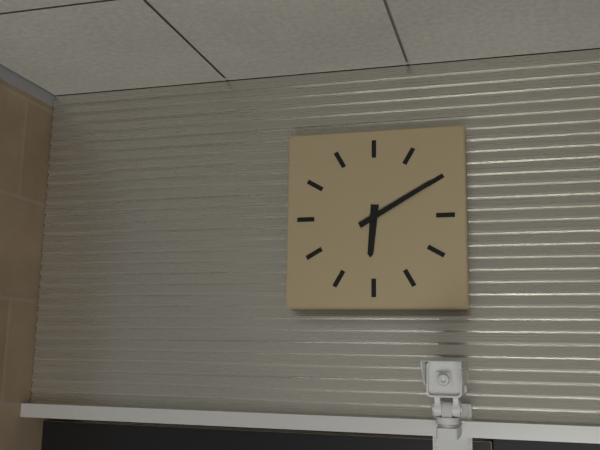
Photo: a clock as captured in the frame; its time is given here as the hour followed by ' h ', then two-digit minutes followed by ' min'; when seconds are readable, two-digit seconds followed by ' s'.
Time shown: 6 h 10 min
